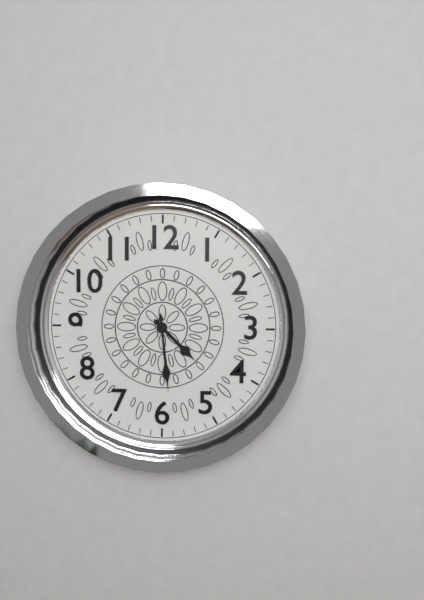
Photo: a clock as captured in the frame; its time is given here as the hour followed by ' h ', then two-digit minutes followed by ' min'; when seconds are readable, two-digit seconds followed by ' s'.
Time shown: 4 h 29 min
